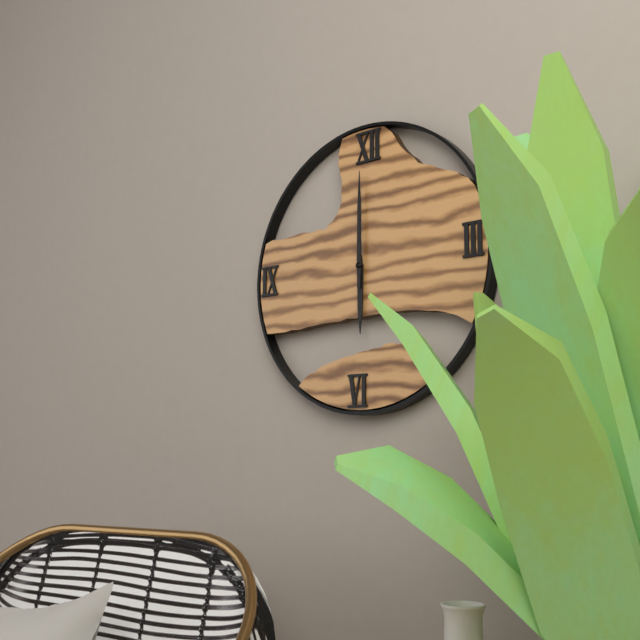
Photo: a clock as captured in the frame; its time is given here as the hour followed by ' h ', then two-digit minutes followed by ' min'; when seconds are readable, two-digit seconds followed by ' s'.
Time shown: 6 h 00 min
